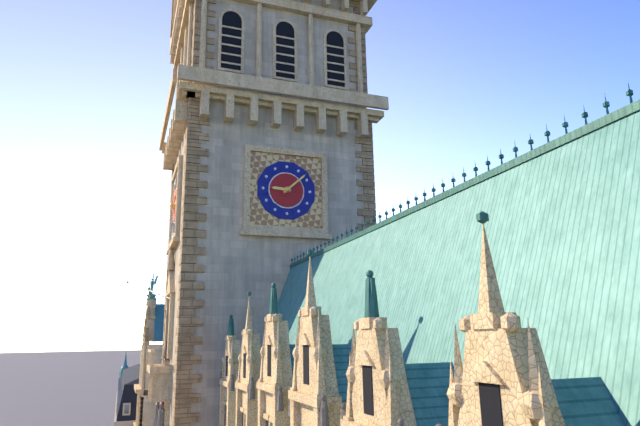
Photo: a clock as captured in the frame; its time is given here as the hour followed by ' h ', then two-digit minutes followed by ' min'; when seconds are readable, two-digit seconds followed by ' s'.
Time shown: 9 h 08 min
